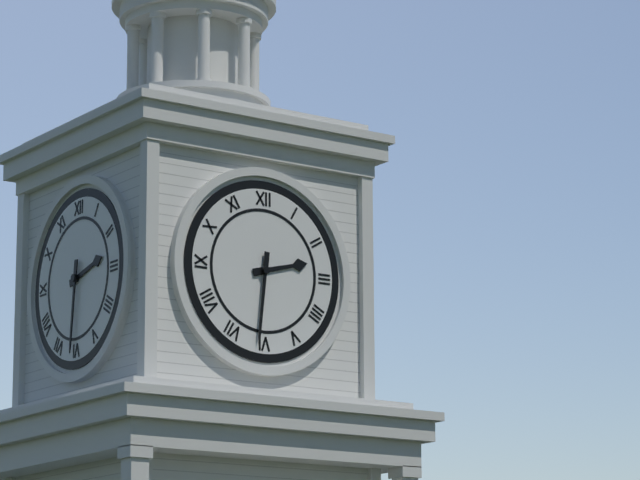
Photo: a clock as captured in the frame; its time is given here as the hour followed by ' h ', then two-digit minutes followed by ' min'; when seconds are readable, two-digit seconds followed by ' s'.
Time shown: 2 h 31 min
